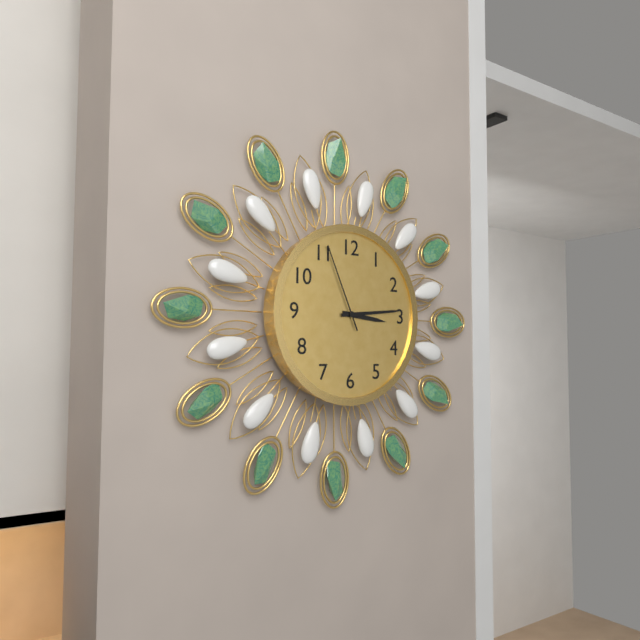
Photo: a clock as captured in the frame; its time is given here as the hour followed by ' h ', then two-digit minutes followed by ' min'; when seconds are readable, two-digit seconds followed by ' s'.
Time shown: 3 h 14 min 56 s
